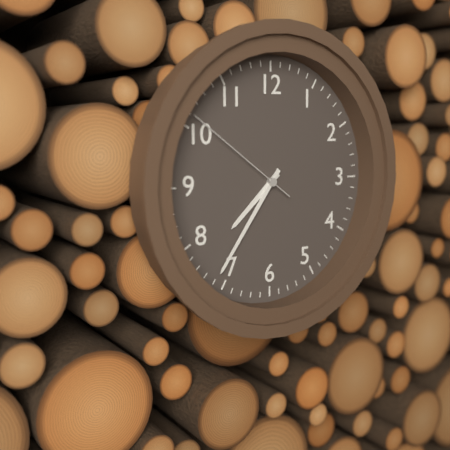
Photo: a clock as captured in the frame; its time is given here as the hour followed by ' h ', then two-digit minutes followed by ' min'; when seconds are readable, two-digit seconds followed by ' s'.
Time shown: 7 h 36 min 51 s
